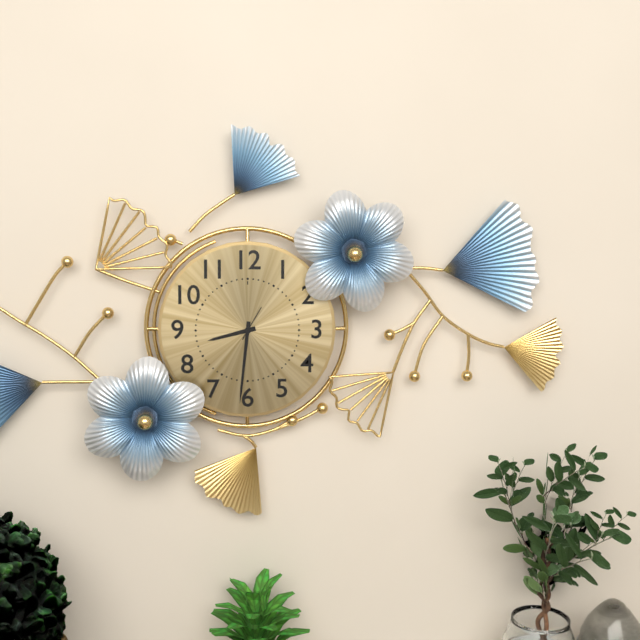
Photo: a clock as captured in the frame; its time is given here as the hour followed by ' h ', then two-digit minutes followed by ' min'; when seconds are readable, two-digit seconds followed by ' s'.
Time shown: 8 h 31 min
